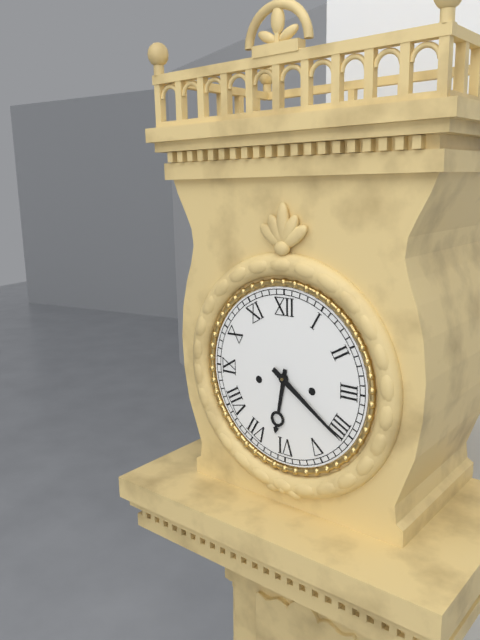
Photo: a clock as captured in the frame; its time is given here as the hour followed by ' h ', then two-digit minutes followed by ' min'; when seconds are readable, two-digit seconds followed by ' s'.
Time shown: 6 h 21 min
